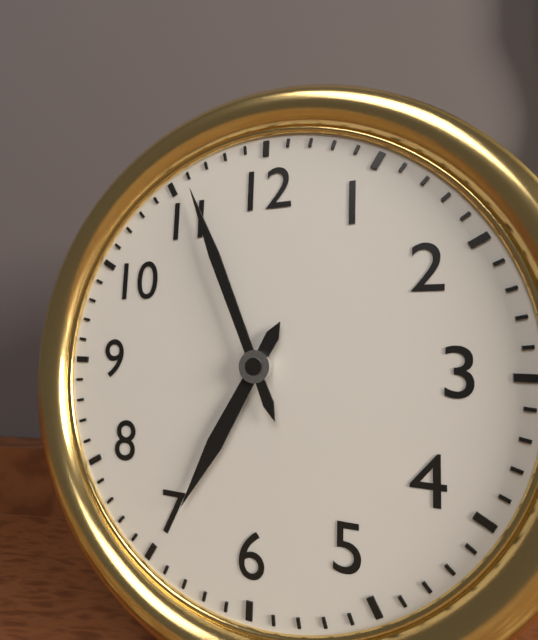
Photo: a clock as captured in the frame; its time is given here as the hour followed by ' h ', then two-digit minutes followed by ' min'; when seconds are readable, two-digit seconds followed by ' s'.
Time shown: 6 h 56 min
